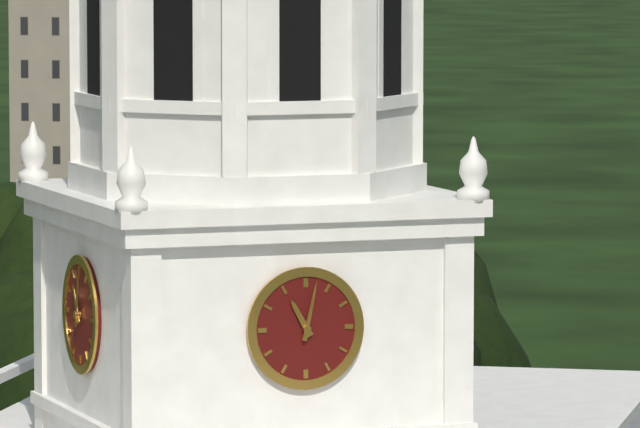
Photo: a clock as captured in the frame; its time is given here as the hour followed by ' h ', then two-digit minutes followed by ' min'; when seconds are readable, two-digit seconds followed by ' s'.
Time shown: 11 h 02 min
